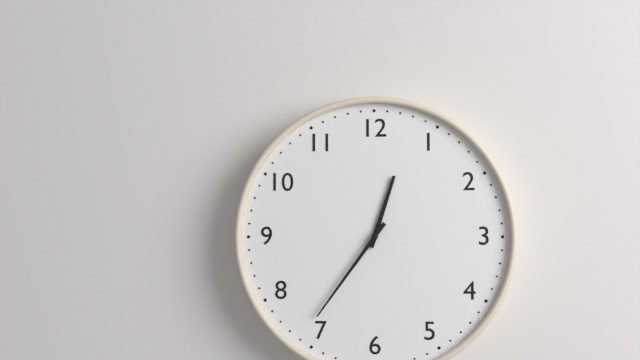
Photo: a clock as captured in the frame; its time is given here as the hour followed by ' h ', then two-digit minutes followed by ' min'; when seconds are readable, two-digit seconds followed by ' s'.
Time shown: 12 h 36 min
